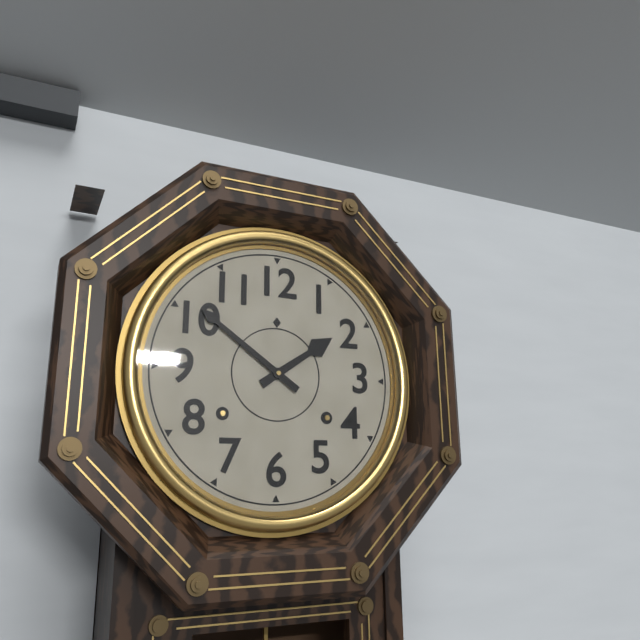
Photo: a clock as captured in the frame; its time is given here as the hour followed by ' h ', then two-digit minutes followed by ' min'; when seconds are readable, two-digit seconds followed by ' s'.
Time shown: 1 h 51 min
